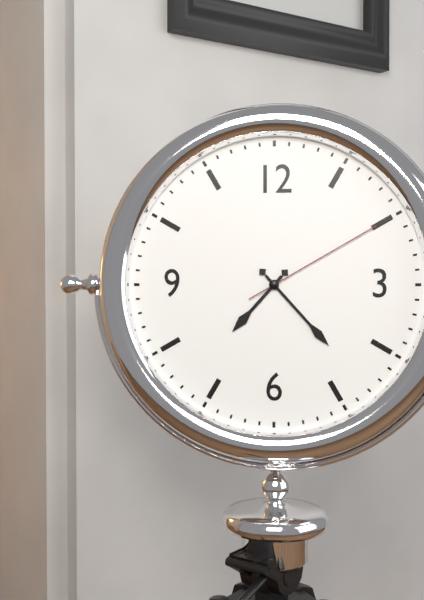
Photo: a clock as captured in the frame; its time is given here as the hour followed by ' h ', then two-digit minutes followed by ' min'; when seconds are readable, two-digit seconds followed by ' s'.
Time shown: 7 h 23 min 10 s
